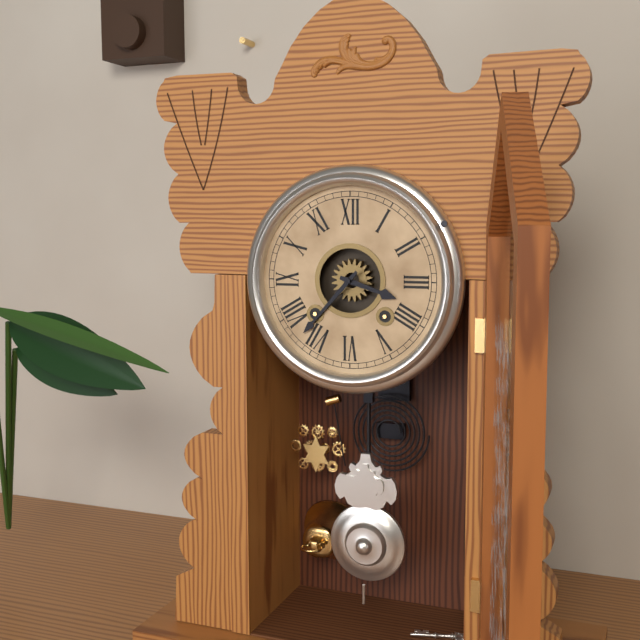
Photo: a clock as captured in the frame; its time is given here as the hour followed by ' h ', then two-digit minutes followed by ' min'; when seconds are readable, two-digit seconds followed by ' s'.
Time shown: 3 h 37 min
